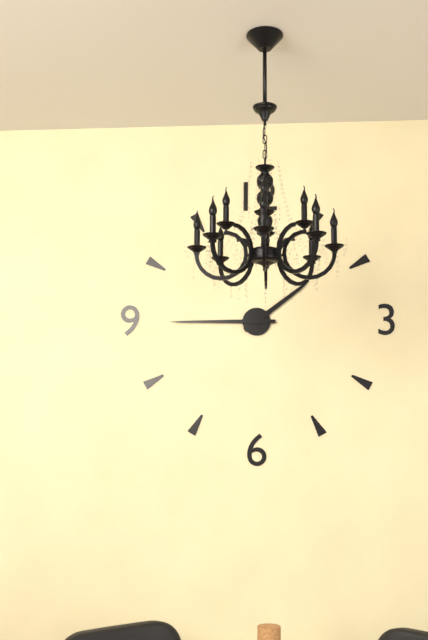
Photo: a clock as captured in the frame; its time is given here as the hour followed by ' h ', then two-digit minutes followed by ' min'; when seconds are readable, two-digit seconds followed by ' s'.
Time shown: 1 h 45 min
